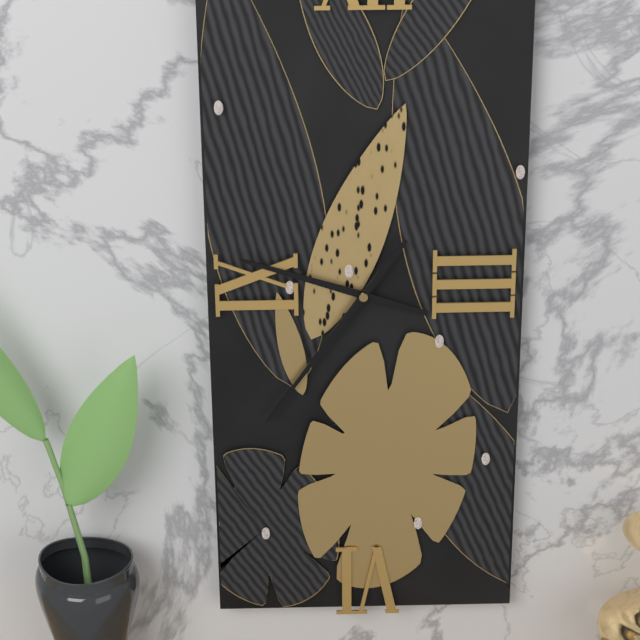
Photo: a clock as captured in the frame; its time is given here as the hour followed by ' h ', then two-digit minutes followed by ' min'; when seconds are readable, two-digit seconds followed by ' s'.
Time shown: 9 h 36 min
